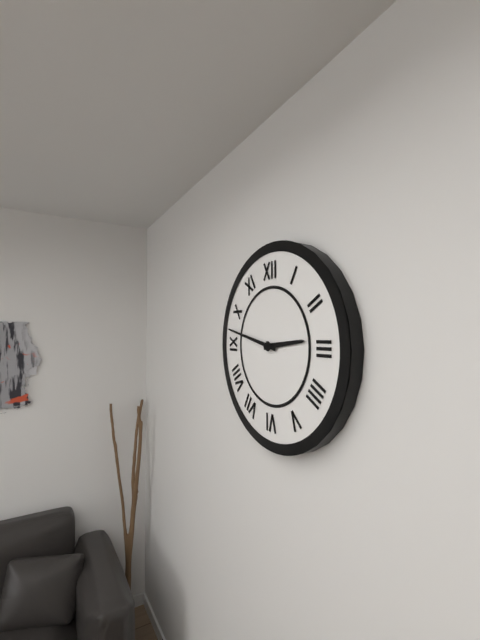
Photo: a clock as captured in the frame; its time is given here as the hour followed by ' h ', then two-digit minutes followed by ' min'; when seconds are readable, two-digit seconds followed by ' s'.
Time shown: 2 h 47 min
